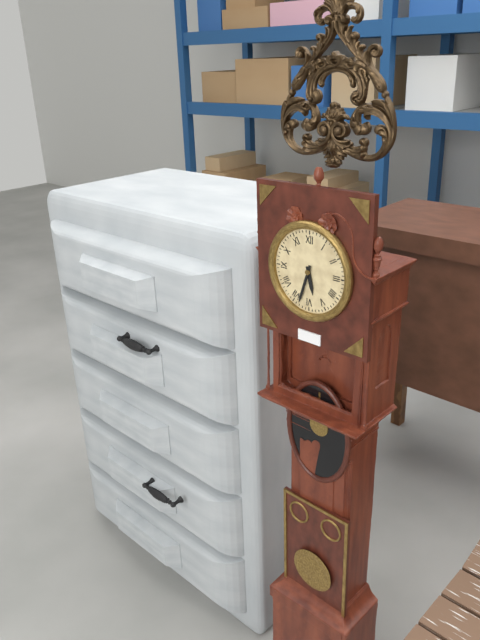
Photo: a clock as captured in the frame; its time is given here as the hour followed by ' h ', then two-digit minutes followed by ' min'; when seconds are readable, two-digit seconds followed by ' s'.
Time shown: 5 h 33 min
